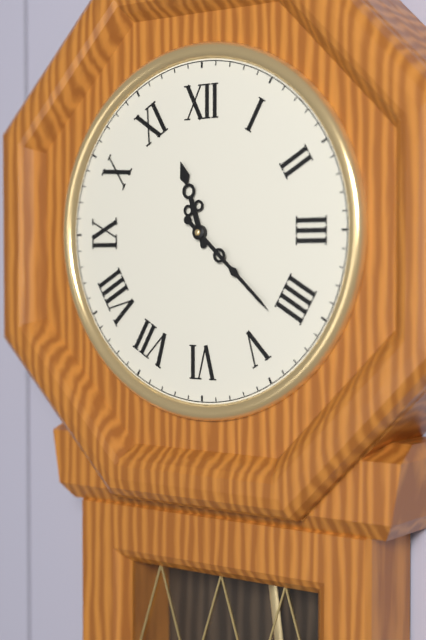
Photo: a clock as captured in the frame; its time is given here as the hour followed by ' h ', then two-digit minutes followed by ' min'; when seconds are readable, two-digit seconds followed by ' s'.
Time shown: 11 h 22 min
